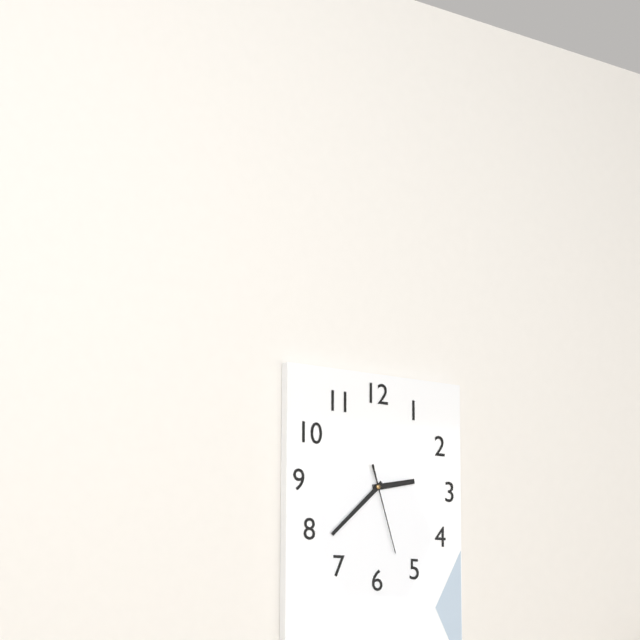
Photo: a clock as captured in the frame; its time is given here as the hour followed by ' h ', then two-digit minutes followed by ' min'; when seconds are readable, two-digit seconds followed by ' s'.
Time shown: 2 h 38 min 27 s
